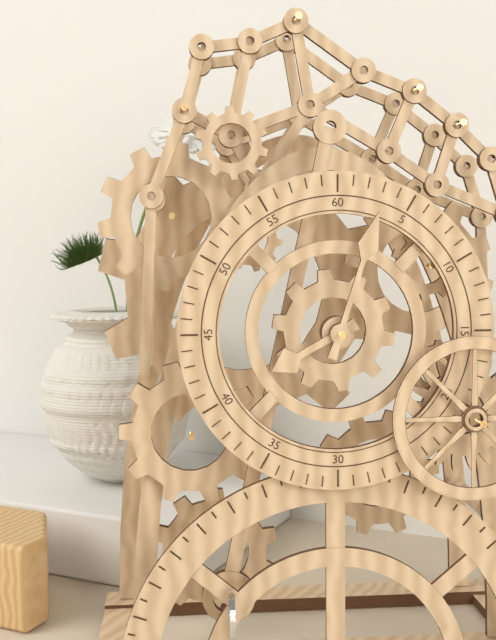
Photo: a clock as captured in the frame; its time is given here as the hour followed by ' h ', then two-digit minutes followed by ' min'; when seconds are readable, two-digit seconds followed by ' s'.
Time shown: 8 h 03 min
